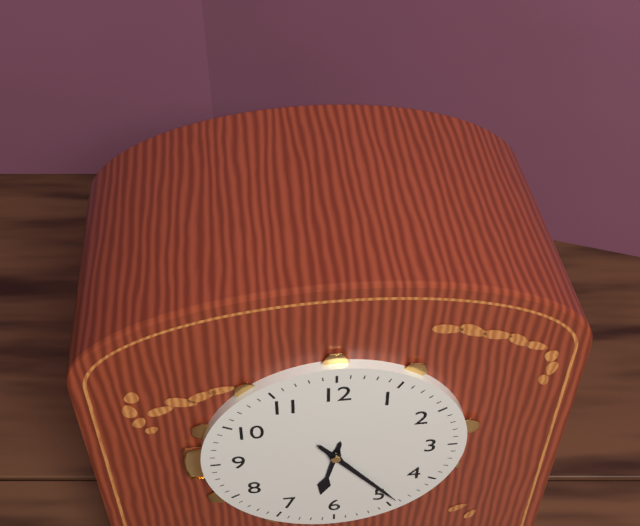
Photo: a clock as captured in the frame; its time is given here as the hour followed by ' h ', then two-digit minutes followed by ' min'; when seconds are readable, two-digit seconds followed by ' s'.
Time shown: 6 h 24 min
